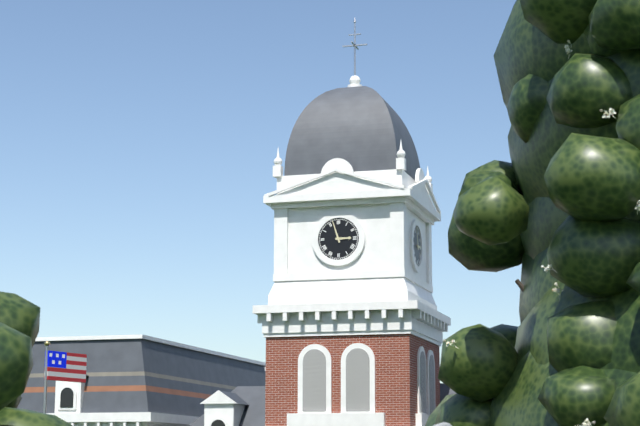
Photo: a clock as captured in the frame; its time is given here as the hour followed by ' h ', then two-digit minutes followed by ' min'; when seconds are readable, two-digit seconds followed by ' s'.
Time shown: 2 h 57 min
